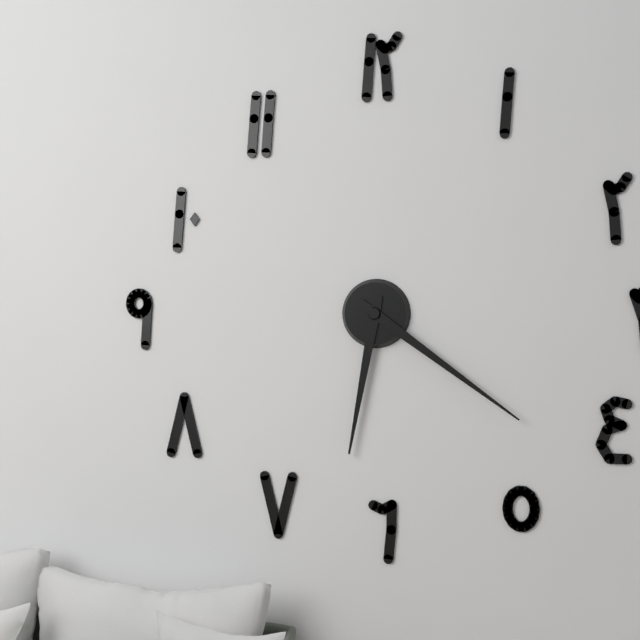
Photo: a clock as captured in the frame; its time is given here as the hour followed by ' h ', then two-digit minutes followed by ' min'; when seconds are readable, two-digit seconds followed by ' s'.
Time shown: 6 h 21 min
